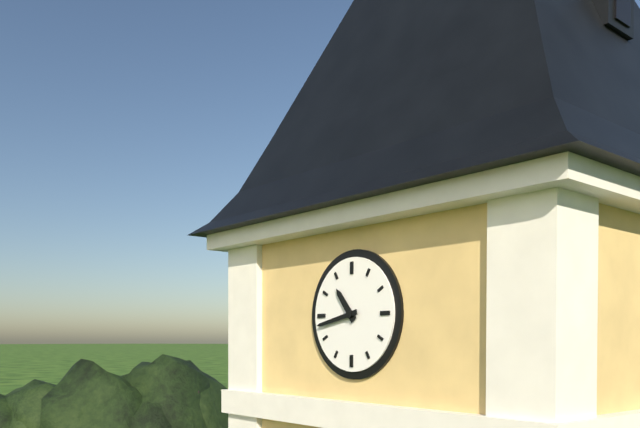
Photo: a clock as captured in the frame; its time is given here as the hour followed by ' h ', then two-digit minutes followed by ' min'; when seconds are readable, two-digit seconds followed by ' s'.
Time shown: 10 h 43 min
